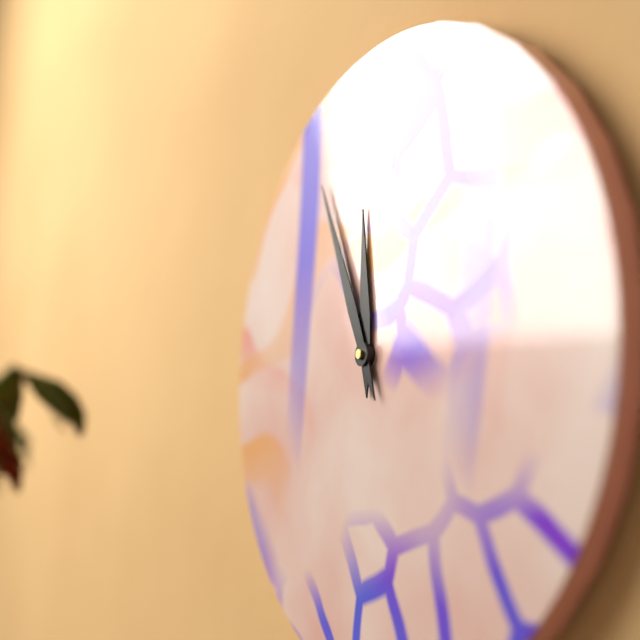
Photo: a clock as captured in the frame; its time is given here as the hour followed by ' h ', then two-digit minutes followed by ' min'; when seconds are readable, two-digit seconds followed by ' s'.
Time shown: 11 h 56 min
